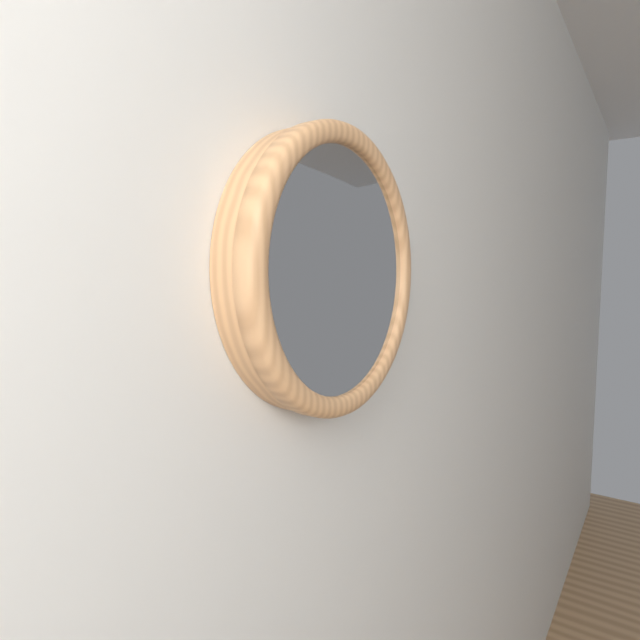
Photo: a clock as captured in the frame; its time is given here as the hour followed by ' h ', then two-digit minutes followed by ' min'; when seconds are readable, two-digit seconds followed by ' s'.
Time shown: 3 h 40 min
